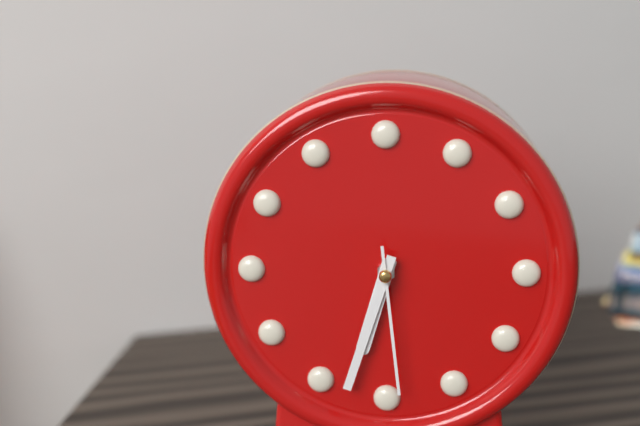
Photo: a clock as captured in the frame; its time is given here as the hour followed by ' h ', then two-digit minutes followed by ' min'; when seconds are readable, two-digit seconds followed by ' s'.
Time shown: 6 h 33 min 29 s
